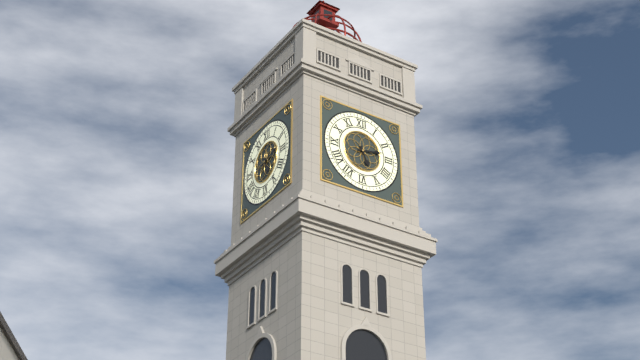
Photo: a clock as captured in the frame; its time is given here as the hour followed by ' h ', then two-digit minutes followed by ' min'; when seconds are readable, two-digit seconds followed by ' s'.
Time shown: 5 h 13 min
